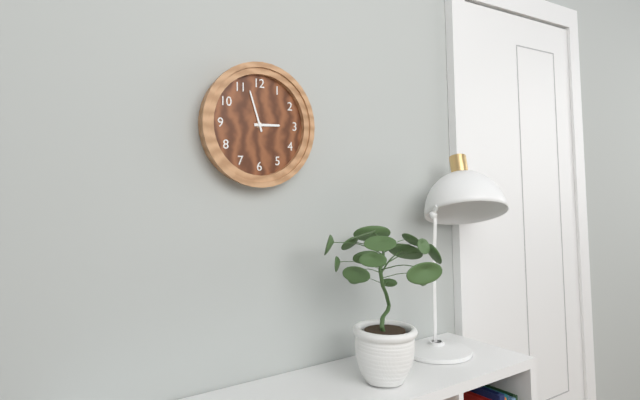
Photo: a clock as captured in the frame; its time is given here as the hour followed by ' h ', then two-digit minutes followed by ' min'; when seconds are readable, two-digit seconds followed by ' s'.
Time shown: 2 h 57 min
